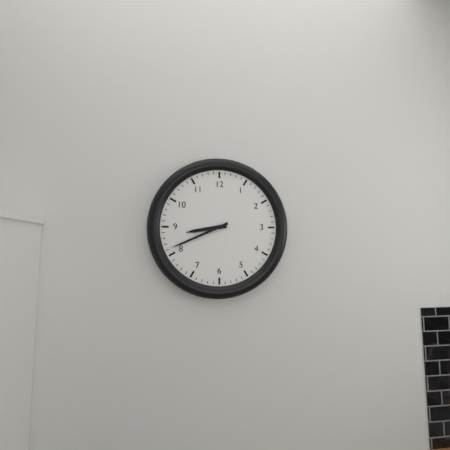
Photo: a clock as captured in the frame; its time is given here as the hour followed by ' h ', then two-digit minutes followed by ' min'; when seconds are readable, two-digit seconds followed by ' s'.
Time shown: 8 h 41 min
